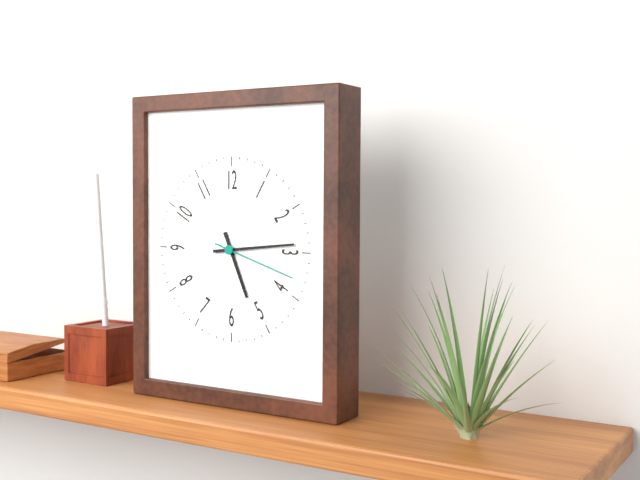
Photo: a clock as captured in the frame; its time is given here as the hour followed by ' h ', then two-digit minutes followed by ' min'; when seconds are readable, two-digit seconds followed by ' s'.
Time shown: 5 h 14 min 18 s
